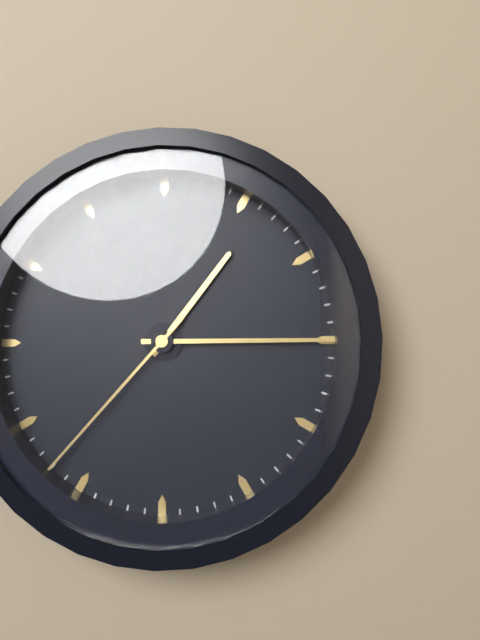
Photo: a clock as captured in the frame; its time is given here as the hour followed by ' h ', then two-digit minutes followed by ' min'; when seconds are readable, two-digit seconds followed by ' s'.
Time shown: 1 h 15 min 37 s
